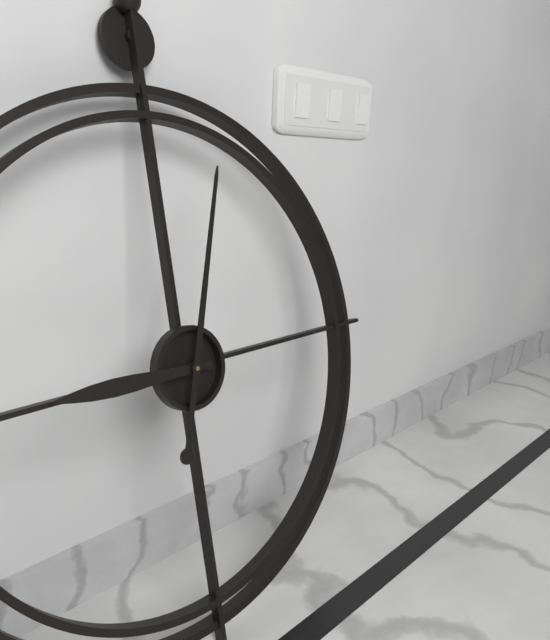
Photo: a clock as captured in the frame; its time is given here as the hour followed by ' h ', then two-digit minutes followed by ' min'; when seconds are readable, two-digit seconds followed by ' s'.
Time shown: 9 h 03 min
